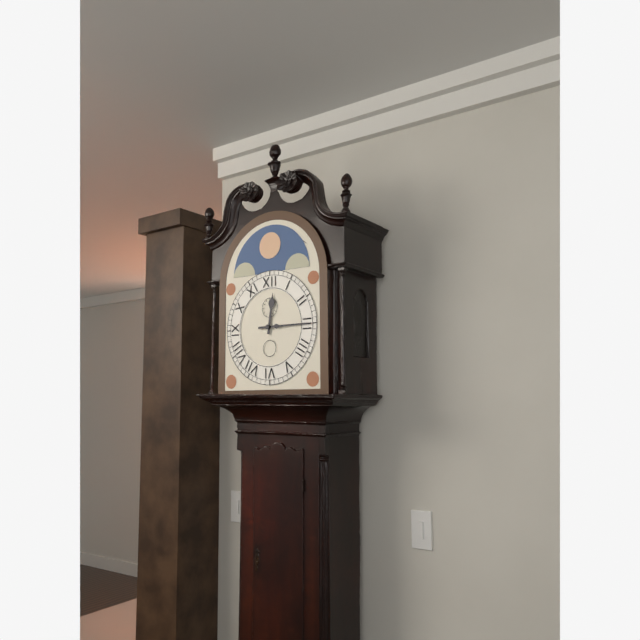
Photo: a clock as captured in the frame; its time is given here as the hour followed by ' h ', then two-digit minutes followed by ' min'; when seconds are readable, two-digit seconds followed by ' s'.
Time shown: 12 h 15 min
